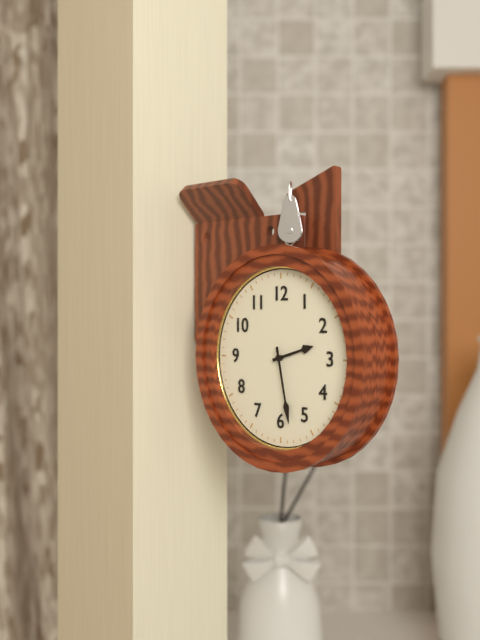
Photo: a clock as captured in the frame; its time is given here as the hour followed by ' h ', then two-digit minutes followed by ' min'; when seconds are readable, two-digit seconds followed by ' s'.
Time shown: 2 h 28 min
